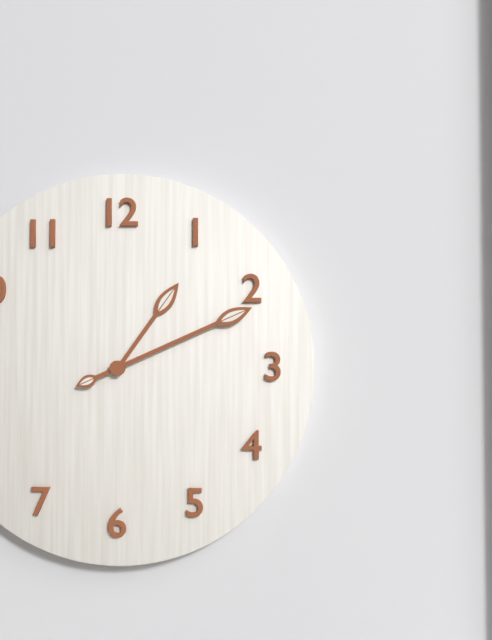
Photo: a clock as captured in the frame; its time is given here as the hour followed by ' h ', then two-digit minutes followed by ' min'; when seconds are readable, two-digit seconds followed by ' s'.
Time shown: 1 h 11 min
